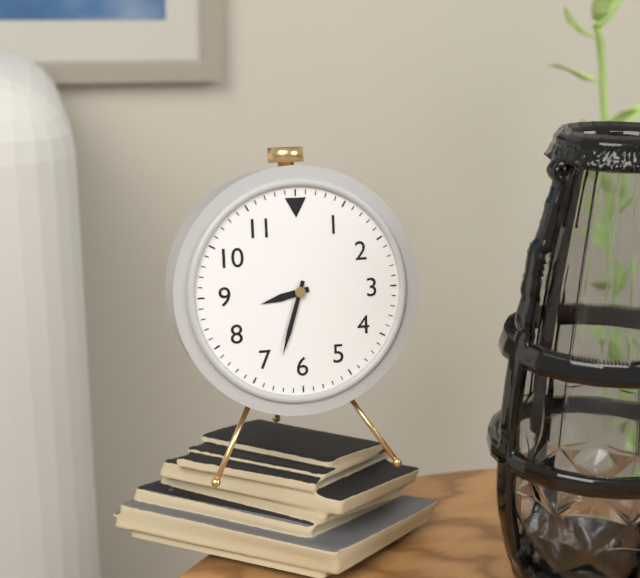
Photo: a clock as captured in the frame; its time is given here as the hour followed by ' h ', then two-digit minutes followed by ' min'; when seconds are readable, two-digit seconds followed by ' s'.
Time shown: 8 h 33 min
